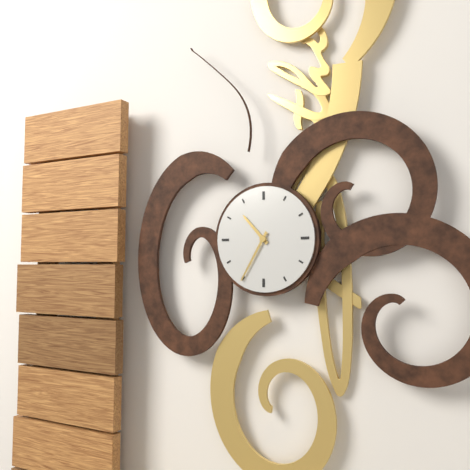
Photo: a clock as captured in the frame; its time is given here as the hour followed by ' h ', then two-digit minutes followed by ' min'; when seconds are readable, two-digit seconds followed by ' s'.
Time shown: 10 h 35 min
